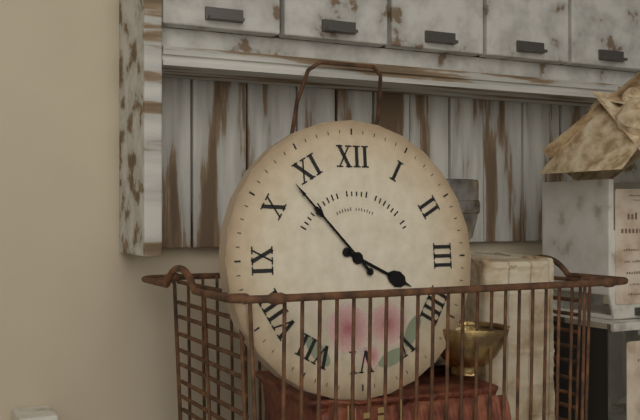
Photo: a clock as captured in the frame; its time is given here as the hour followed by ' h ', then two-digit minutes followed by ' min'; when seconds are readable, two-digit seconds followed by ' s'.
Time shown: 3 h 53 min
